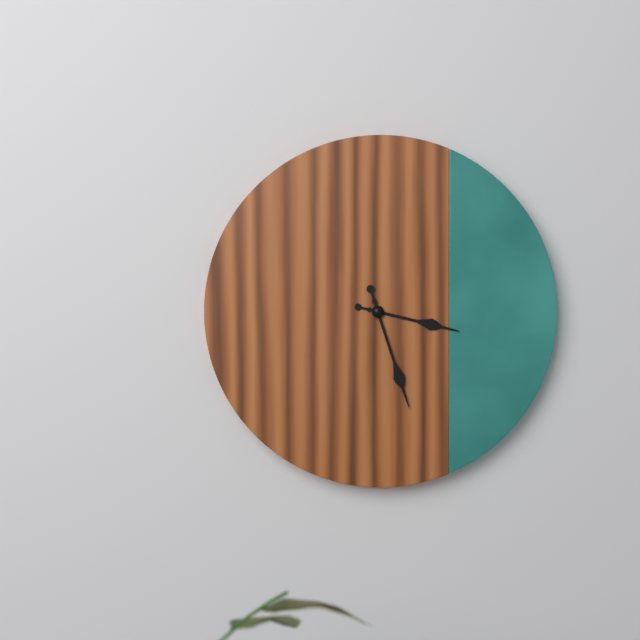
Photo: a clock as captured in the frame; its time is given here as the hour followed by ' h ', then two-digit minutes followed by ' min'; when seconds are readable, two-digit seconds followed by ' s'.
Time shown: 3 h 27 min
